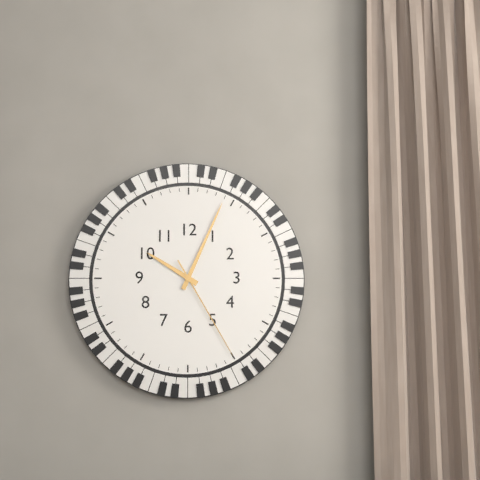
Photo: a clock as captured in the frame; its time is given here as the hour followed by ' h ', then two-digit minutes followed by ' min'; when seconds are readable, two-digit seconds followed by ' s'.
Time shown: 10 h 04 min 25 s
